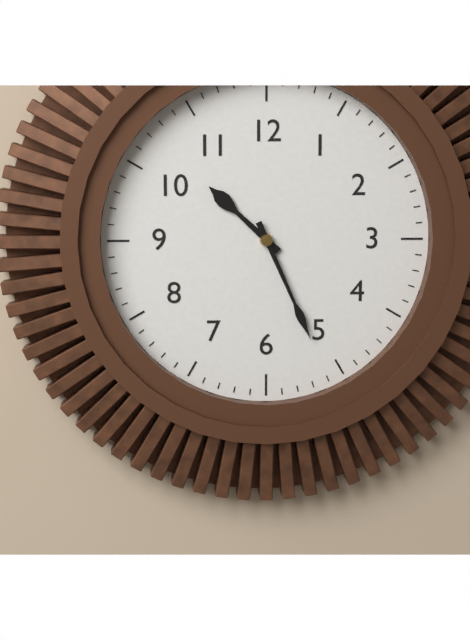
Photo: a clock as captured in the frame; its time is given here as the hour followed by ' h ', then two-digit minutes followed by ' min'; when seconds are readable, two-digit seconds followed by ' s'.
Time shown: 10 h 26 min
